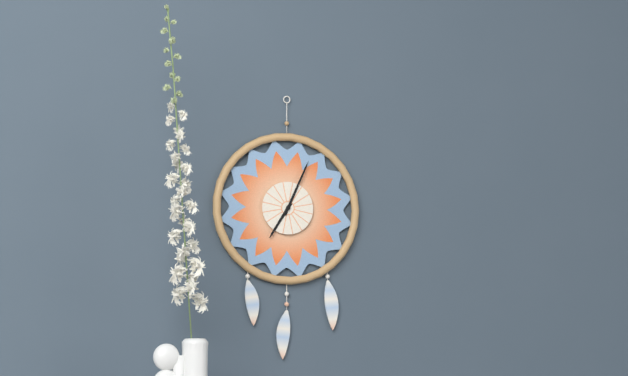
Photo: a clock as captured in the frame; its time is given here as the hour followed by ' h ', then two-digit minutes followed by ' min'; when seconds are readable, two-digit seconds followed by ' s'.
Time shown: 7 h 04 min
